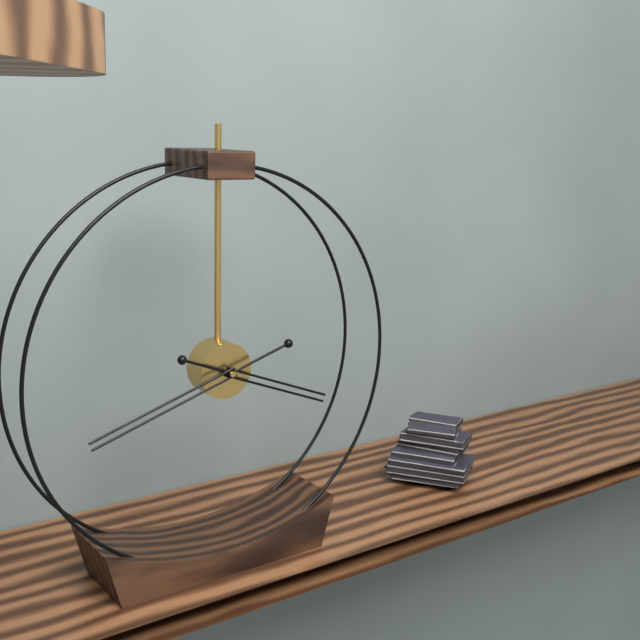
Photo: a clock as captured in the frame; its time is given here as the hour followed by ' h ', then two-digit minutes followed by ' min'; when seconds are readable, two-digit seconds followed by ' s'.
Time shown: 3 h 42 min
